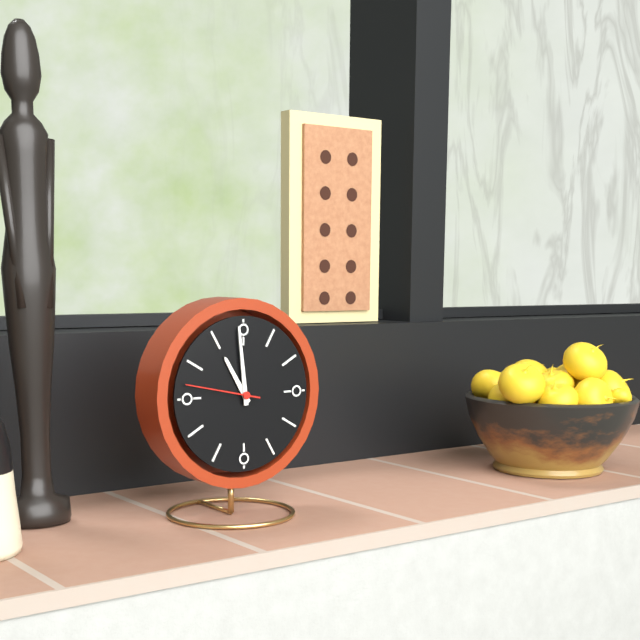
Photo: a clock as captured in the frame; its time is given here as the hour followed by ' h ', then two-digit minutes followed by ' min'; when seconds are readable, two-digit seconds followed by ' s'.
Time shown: 10 h 59 min 47 s
